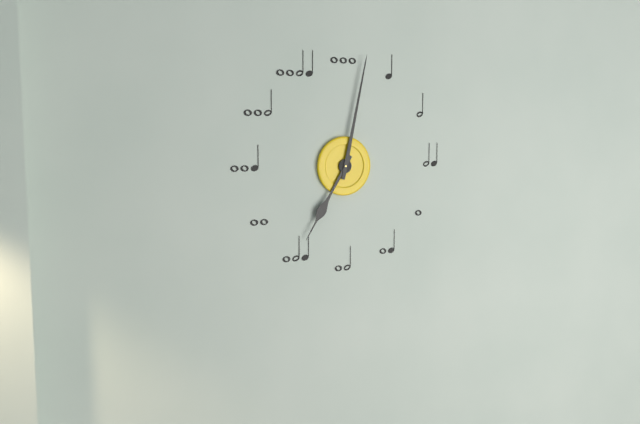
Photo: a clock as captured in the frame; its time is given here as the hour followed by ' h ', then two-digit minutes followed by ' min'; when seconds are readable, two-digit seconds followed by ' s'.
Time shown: 7 h 02 min
